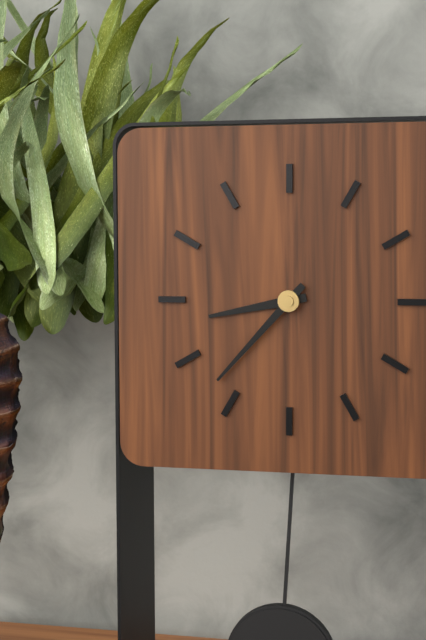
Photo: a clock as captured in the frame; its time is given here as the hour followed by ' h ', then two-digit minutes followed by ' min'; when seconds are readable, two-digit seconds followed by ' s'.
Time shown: 8 h 37 min
